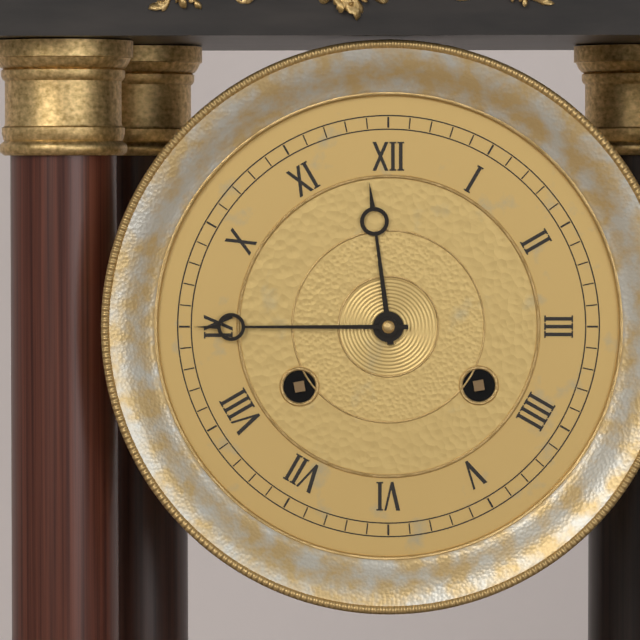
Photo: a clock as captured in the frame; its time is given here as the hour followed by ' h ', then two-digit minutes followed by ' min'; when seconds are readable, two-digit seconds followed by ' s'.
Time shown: 11 h 45 min
